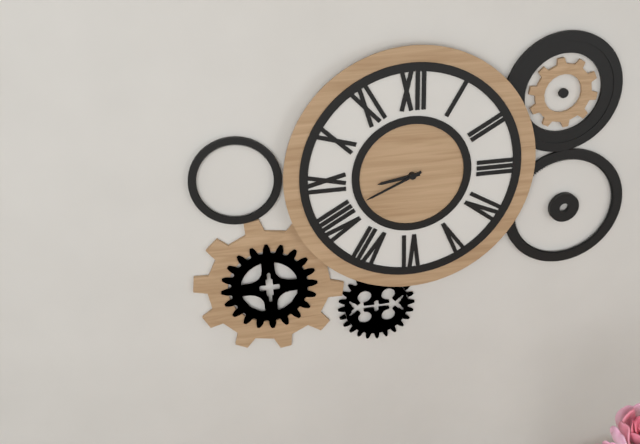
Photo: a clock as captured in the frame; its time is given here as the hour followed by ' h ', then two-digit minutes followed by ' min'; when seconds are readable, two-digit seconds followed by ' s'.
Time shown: 8 h 41 min
